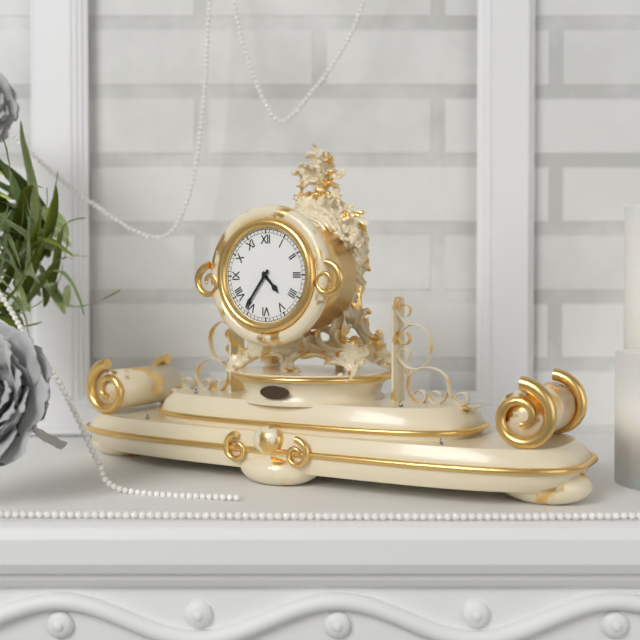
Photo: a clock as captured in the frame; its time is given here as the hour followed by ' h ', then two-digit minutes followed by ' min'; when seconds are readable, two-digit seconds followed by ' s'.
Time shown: 4 h 36 min
